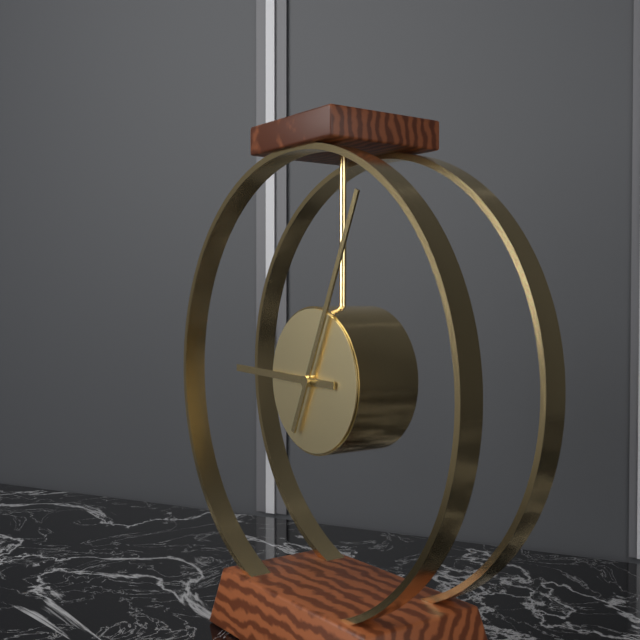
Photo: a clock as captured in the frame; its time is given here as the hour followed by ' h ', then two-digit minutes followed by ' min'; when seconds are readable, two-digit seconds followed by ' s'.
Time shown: 9 h 04 min
